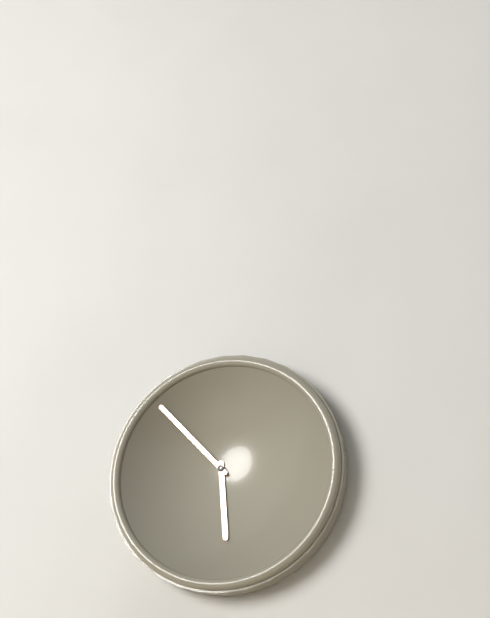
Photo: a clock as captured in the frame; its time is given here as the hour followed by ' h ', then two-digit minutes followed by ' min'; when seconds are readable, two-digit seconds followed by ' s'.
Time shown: 5 h 53 min
